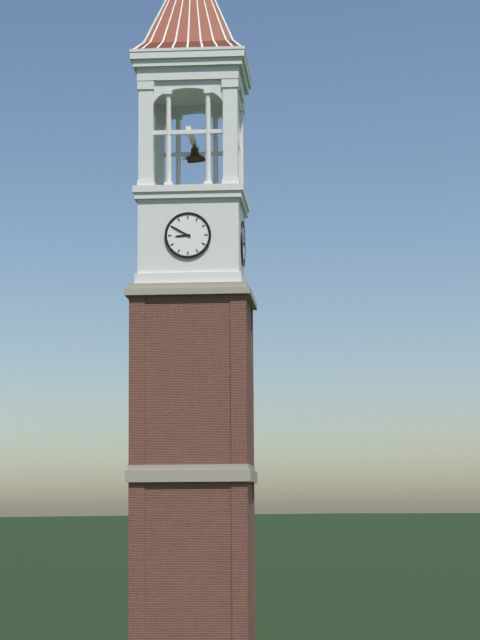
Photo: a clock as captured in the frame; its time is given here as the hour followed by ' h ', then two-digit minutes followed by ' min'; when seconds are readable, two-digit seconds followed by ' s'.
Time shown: 8 h 50 min
